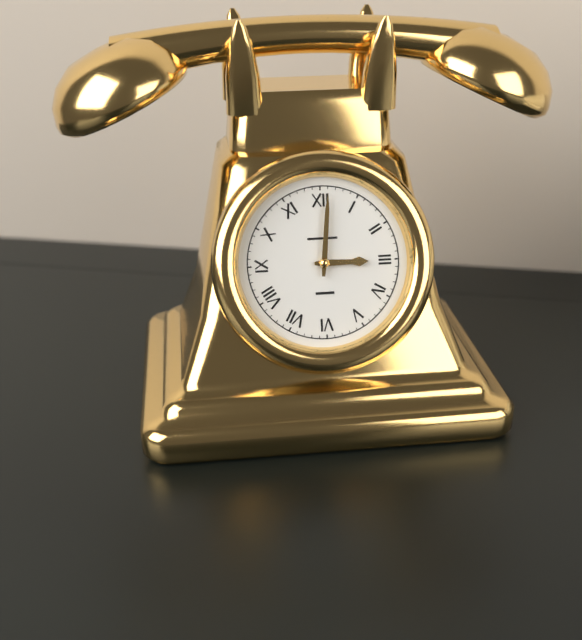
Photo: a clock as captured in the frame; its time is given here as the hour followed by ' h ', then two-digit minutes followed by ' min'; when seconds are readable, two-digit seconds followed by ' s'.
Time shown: 3 h 01 min
